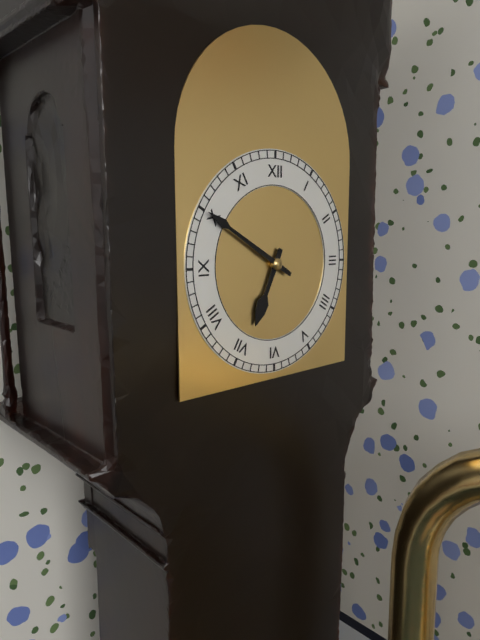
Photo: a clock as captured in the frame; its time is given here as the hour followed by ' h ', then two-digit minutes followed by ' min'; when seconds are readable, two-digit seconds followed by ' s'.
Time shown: 6 h 50 min
